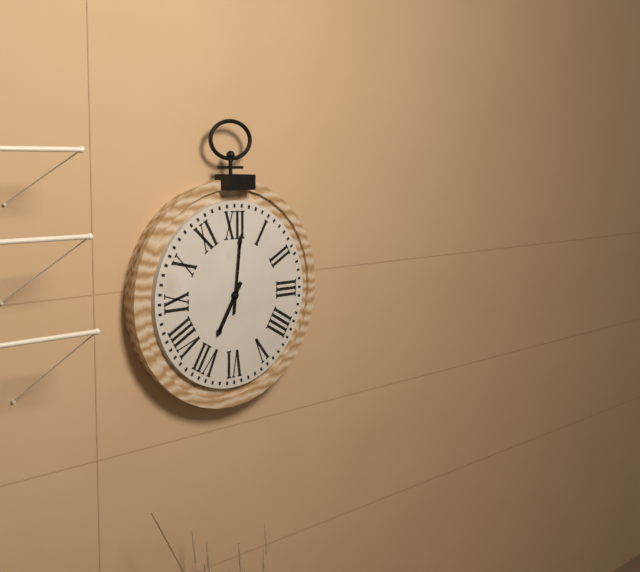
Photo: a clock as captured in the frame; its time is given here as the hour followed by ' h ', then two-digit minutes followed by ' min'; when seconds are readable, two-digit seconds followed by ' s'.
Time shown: 7 h 01 min
